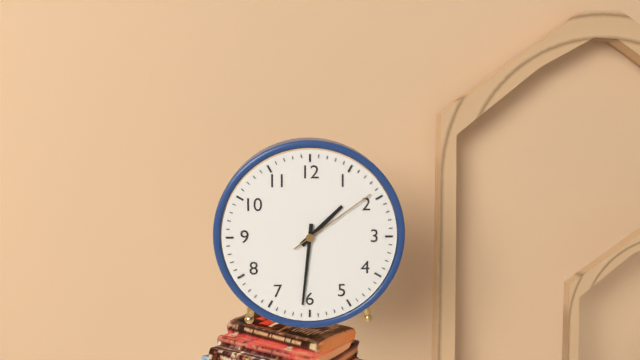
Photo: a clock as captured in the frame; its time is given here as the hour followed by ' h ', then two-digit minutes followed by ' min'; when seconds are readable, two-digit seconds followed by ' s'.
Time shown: 1 h 31 min 09 s
